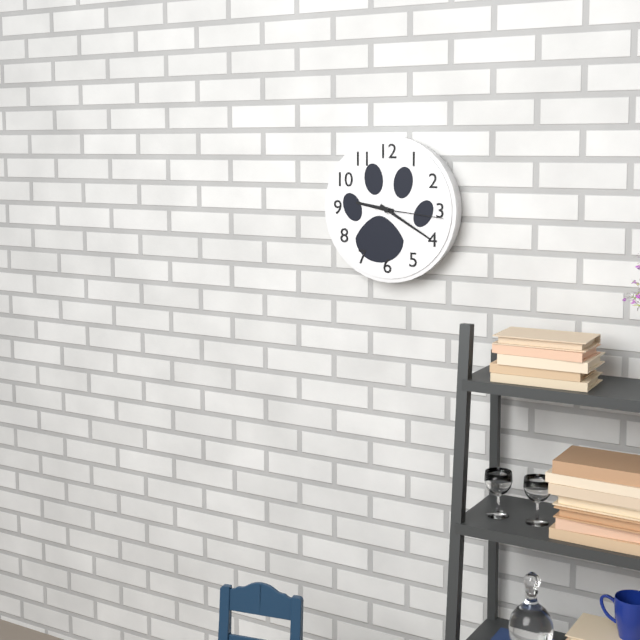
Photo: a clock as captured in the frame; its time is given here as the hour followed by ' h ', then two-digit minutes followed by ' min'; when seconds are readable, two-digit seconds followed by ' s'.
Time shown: 9 h 20 min 16 s
